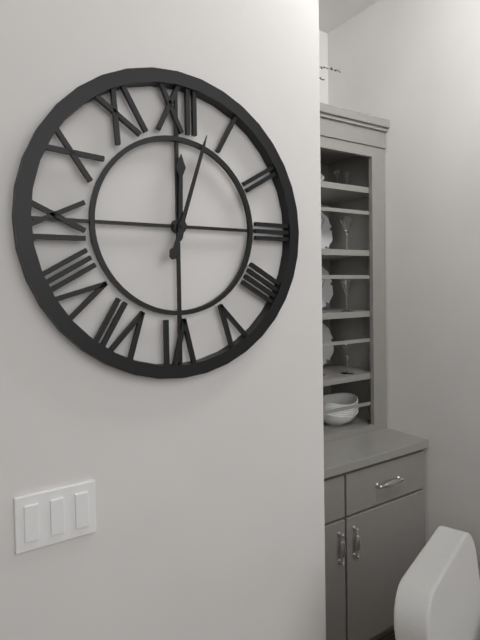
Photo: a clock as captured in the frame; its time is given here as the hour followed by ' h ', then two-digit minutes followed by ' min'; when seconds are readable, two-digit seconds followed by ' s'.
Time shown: 12 h 03 min
